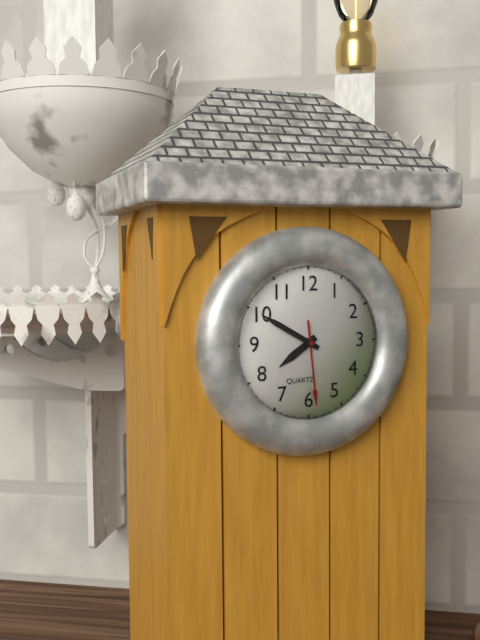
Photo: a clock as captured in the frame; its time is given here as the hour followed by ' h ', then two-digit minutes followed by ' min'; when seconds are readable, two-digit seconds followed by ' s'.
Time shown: 7 h 50 min 29 s
